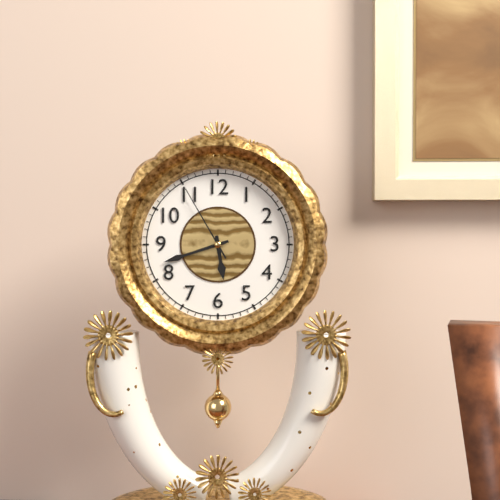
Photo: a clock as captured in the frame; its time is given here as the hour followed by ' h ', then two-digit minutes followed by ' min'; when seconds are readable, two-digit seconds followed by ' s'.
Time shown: 5 h 42 min 55 s
